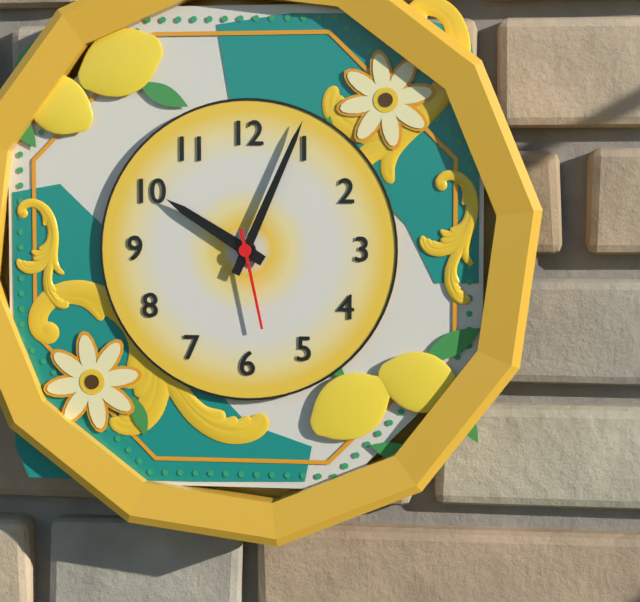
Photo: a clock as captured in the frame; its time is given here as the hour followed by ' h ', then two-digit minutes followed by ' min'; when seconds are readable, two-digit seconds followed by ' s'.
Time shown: 10 h 04 min 28 s
